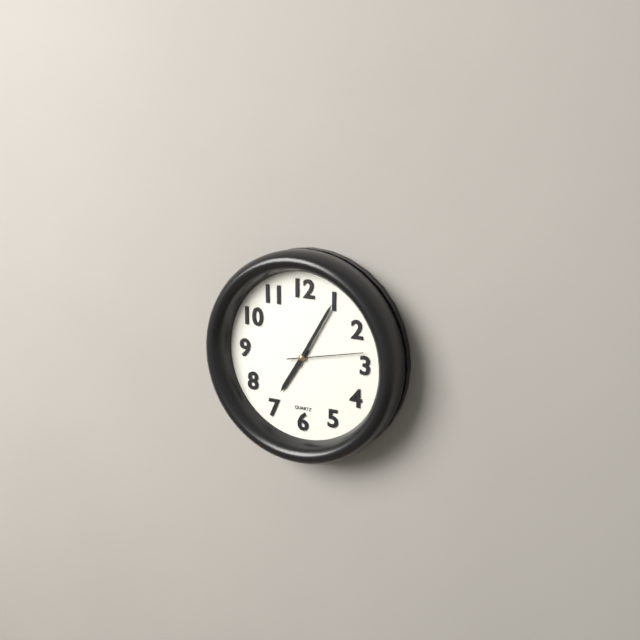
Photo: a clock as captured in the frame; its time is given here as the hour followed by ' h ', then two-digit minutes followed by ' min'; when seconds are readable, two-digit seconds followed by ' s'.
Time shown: 7 h 05 min 13 s
